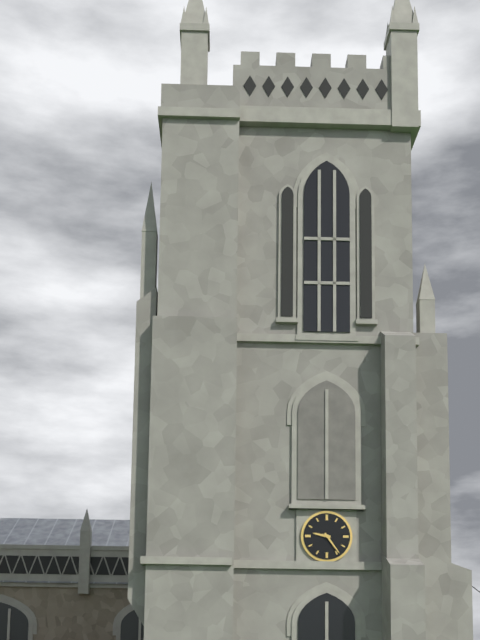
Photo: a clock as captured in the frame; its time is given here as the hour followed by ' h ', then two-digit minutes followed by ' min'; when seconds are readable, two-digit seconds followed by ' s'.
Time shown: 9 h 24 min
